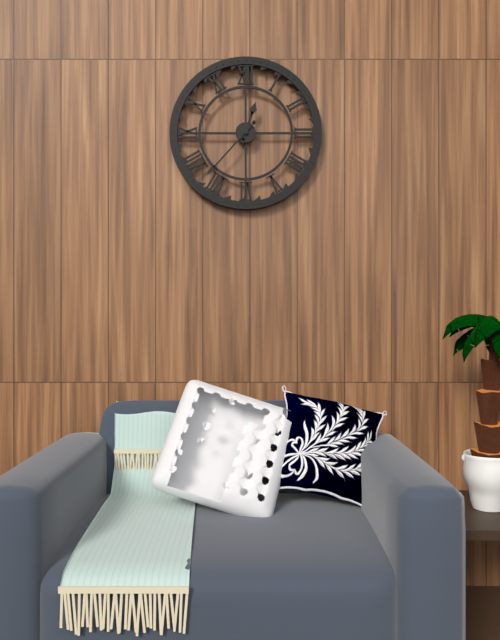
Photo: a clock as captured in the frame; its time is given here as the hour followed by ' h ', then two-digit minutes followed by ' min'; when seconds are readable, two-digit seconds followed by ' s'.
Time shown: 12 h 37 min
